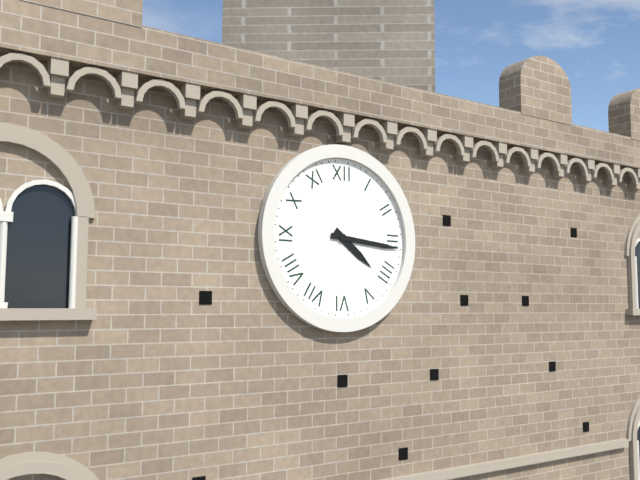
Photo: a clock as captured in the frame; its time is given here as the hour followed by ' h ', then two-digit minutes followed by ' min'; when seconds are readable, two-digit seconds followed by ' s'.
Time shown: 4 h 16 min
